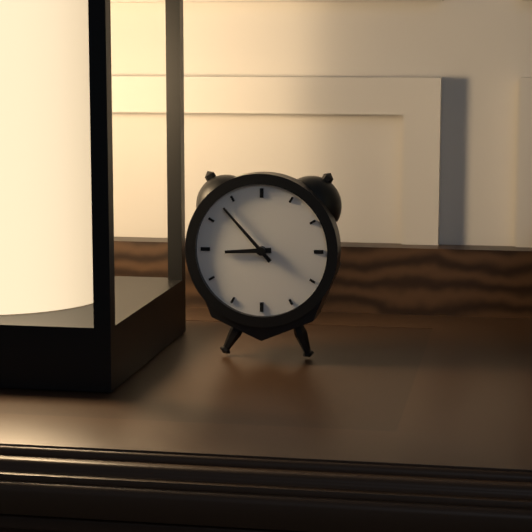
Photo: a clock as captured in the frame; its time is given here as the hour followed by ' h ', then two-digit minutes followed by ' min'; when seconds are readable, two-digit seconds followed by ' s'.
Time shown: 8 h 53 min
